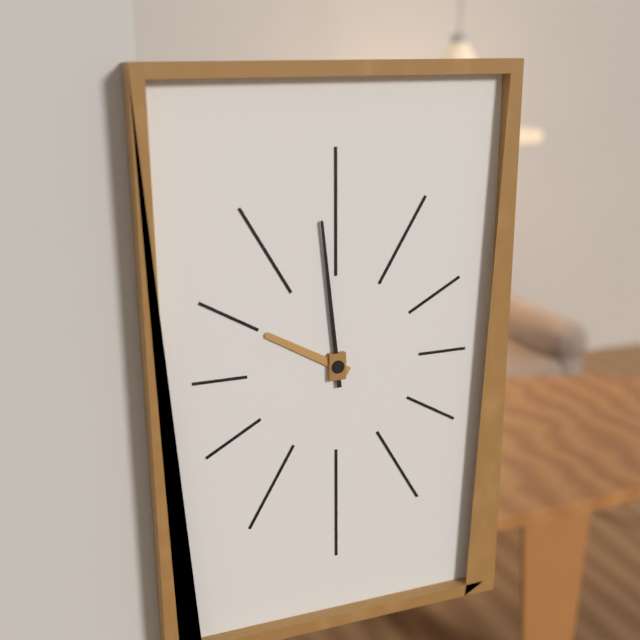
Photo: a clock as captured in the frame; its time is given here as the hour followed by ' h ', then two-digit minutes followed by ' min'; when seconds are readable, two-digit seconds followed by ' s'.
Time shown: 9 h 59 min
